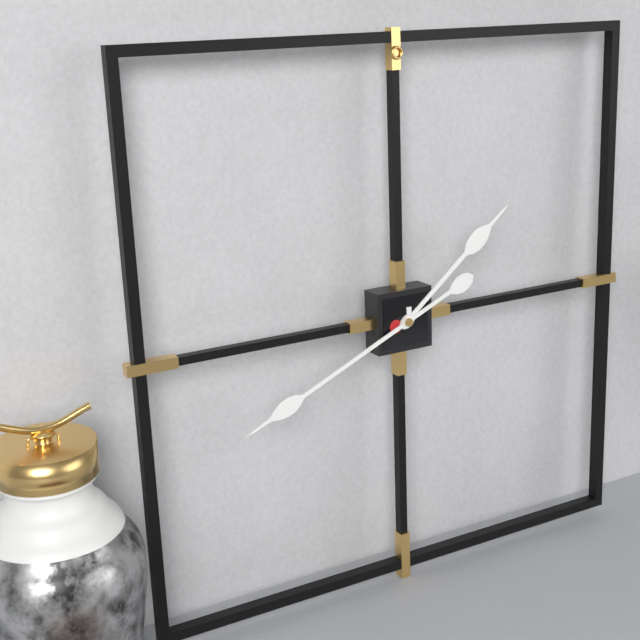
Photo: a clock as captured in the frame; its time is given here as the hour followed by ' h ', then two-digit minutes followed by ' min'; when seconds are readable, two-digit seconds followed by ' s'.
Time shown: 1 h 41 min
